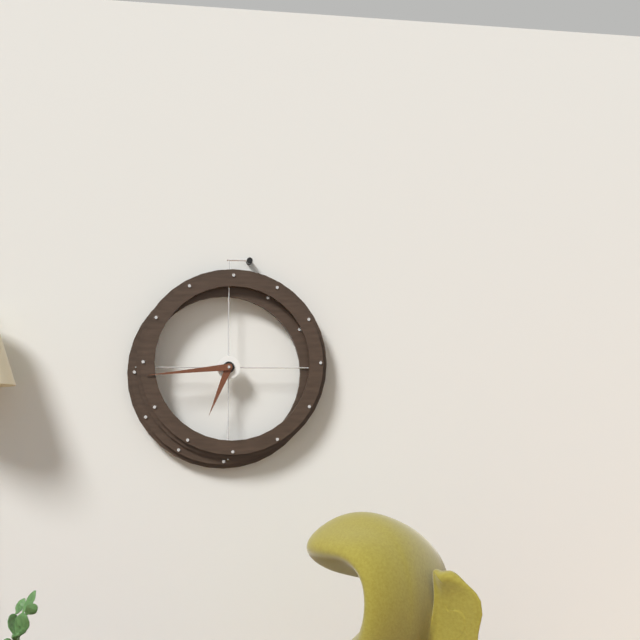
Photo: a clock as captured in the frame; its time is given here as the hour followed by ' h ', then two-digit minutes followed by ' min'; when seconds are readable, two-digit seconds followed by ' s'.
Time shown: 6 h 44 min
